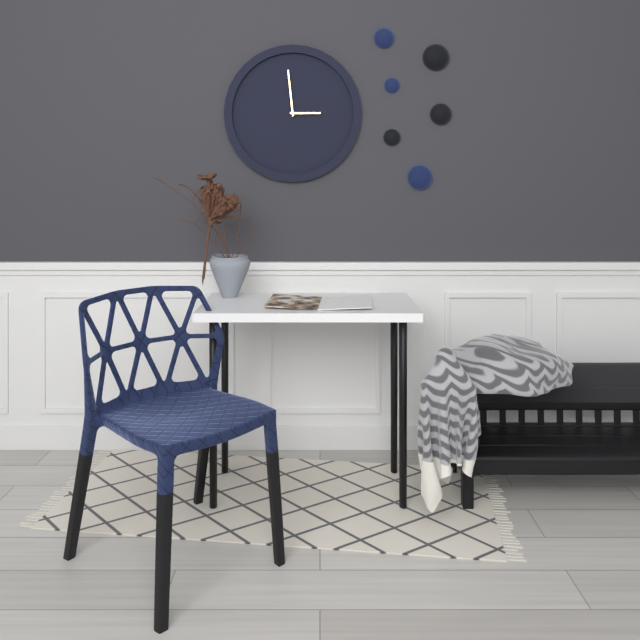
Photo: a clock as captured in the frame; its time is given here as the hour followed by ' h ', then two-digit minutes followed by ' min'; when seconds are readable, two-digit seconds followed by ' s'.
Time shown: 2 h 59 min
